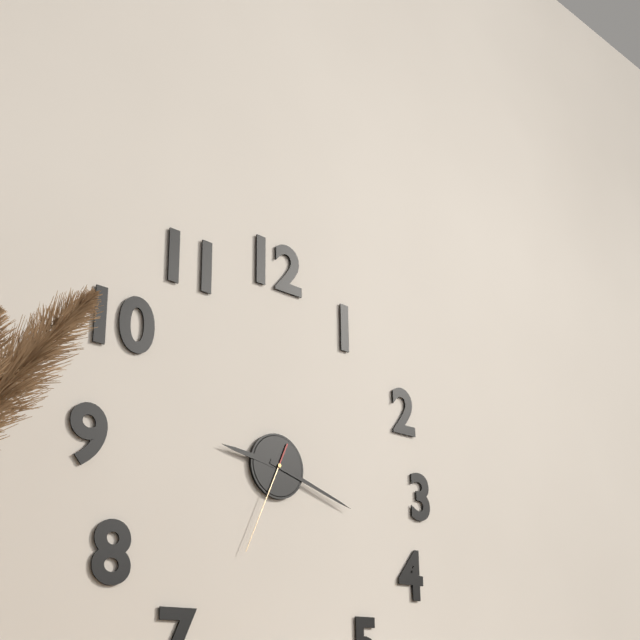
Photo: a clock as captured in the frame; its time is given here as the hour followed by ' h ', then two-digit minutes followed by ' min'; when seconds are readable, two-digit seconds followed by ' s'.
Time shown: 9 h 18 min 34 s
